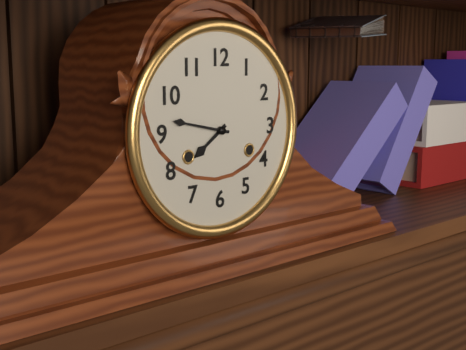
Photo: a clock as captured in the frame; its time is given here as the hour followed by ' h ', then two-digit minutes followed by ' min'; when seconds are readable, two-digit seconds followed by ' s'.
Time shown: 7 h 47 min
